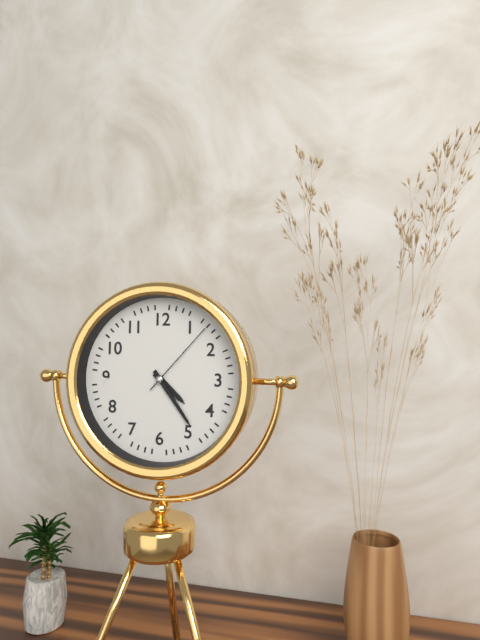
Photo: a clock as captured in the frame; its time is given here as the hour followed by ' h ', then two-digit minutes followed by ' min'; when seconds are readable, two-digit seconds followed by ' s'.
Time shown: 4 h 24 min 07 s
